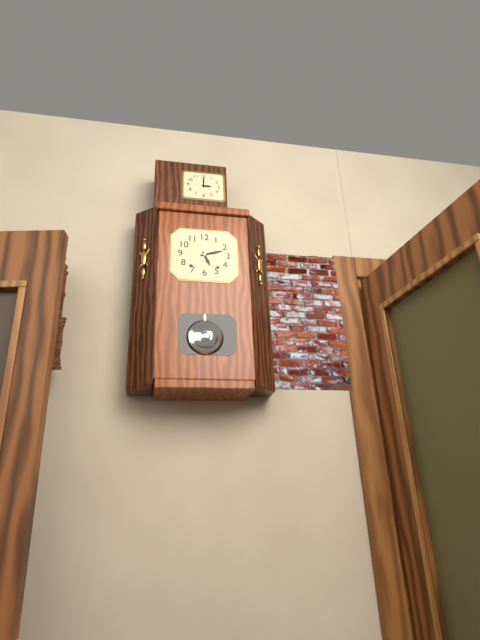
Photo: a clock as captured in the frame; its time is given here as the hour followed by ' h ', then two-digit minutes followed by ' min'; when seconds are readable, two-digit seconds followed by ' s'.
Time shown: 5 h 12 min
